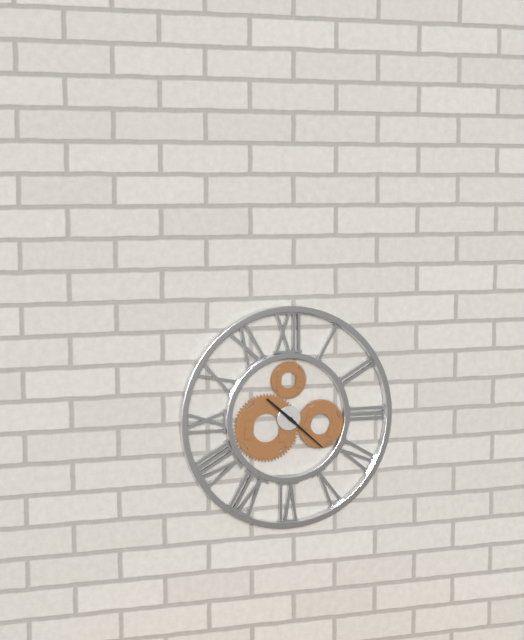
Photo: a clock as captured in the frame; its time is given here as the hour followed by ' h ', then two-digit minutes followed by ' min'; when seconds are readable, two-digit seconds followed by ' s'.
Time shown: 10 h 22 min
